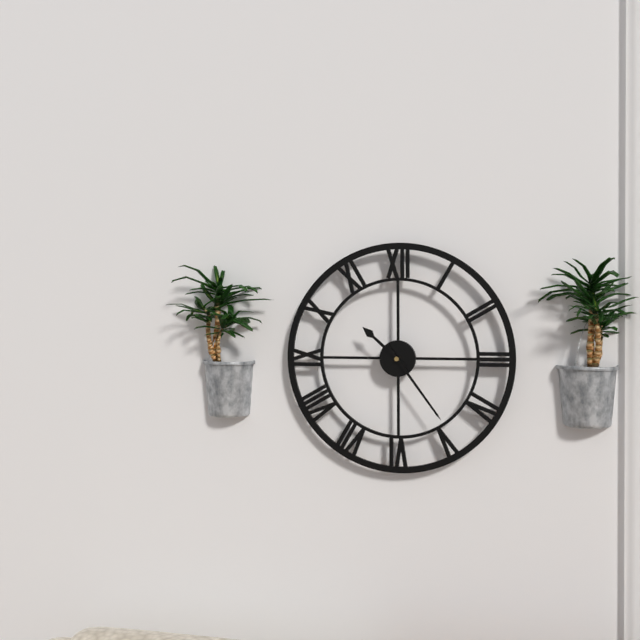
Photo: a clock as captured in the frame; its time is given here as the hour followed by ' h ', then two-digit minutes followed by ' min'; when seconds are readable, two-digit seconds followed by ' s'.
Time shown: 10 h 24 min
